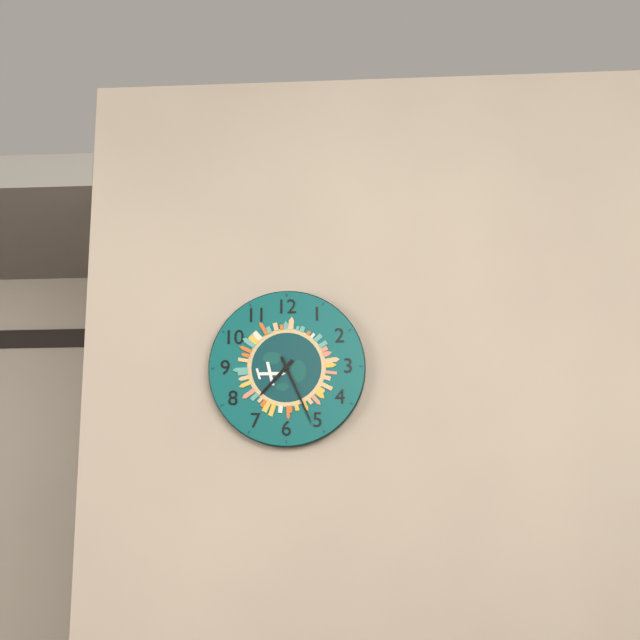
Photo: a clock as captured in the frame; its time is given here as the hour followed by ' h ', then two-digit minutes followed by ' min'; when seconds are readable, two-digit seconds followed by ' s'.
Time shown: 7 h 26 min
